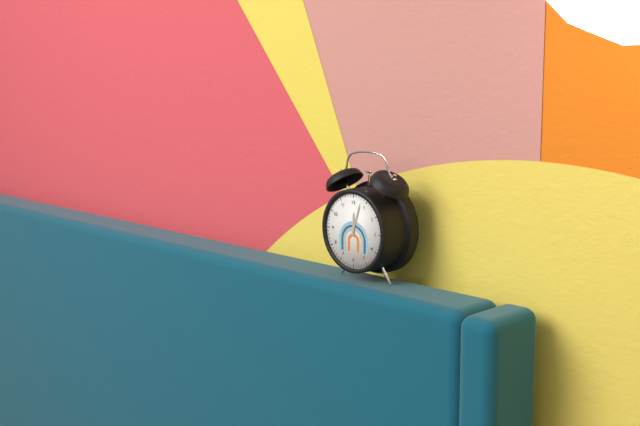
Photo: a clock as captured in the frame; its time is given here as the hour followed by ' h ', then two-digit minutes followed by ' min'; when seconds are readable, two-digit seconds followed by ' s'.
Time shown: 12 h 03 min
